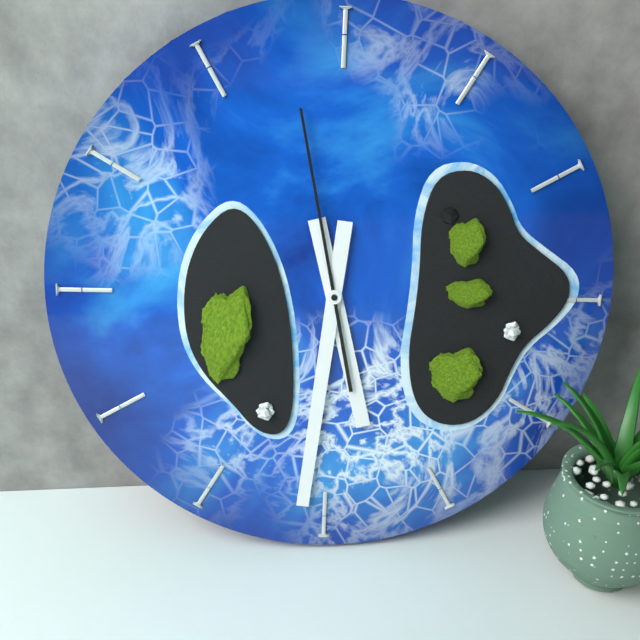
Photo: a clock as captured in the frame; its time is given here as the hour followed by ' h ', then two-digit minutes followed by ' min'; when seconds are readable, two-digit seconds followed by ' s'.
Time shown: 5 h 31 min 58 s
